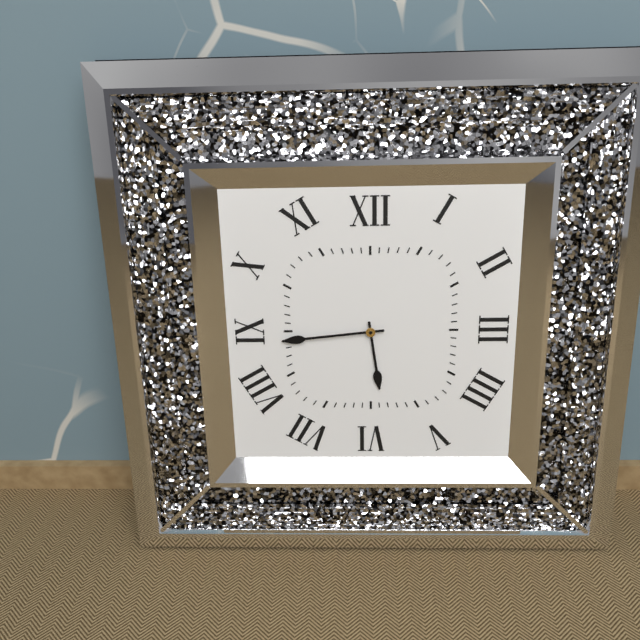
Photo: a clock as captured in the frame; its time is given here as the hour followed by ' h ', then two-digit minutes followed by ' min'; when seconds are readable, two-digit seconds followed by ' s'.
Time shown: 5 h 44 min
